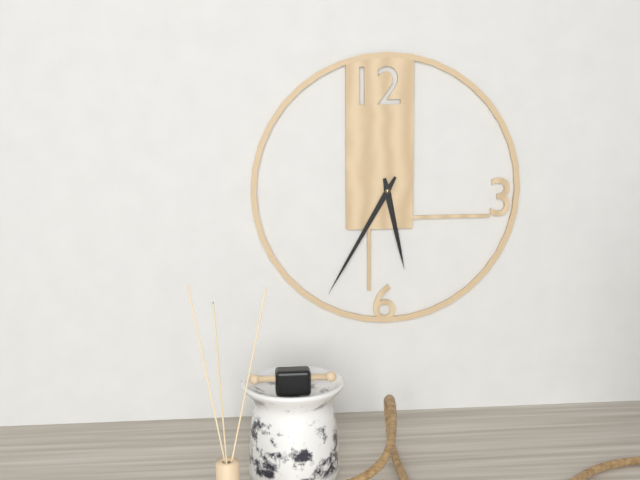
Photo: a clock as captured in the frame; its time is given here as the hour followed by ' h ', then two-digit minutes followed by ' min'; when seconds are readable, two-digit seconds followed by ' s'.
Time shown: 5 h 35 min
